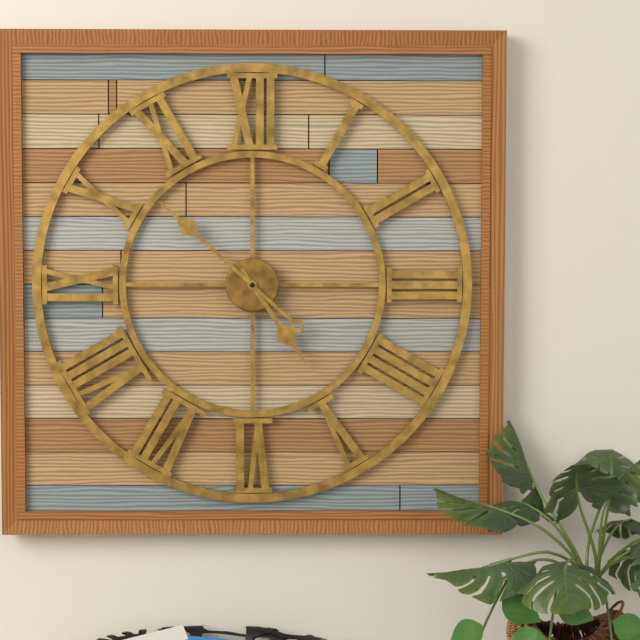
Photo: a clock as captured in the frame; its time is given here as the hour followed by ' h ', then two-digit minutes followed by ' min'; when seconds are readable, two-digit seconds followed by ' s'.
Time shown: 4 h 52 min
